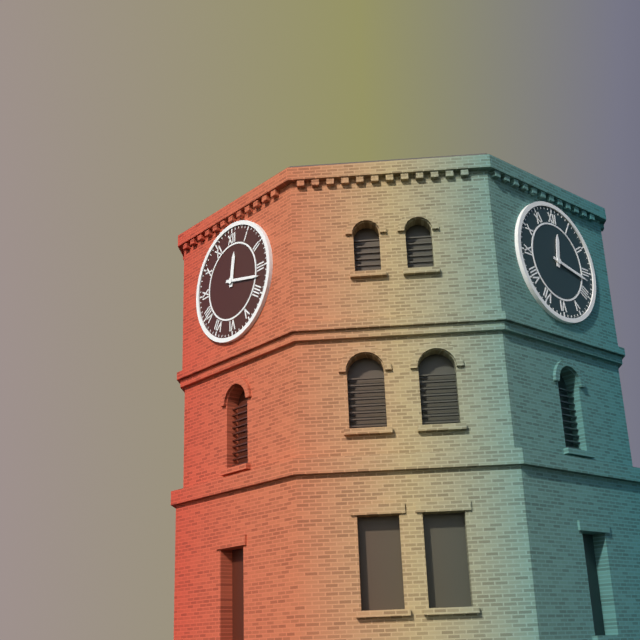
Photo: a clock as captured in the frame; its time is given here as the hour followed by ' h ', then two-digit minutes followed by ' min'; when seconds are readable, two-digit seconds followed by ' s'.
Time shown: 12 h 17 min
